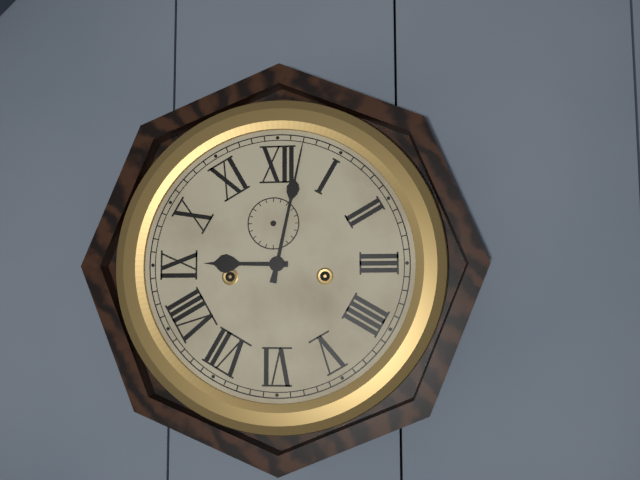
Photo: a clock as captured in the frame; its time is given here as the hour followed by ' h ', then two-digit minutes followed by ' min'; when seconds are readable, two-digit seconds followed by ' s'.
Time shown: 9 h 02 min
